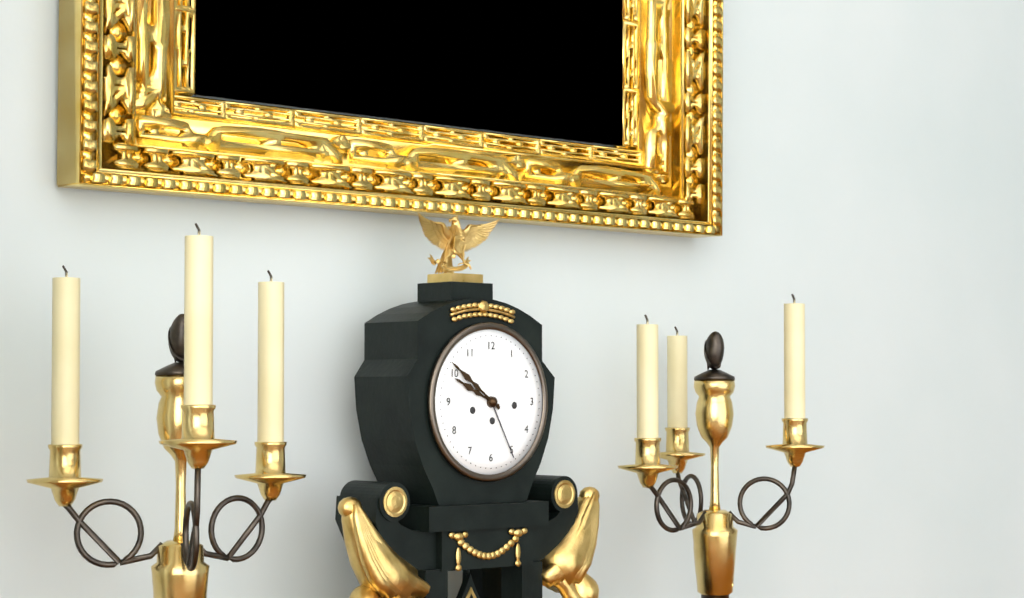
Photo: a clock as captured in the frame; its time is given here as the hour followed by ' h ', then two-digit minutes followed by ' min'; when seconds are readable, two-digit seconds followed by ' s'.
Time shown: 9 h 51 min
